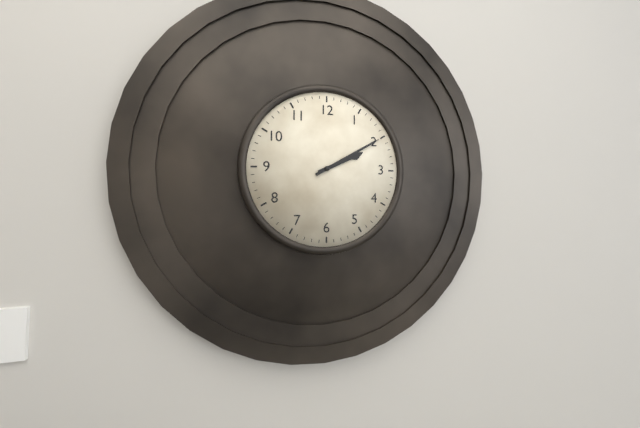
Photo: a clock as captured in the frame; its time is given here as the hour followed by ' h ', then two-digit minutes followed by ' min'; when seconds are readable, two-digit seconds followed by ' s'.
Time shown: 2 h 10 min
